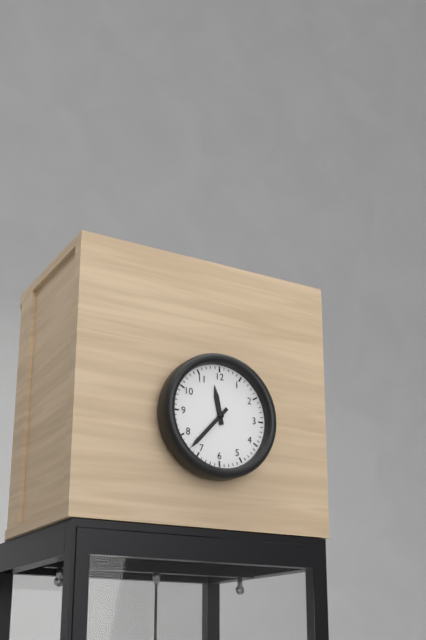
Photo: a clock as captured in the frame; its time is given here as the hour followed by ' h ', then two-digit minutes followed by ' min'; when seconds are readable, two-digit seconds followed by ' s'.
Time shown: 11 h 37 min
